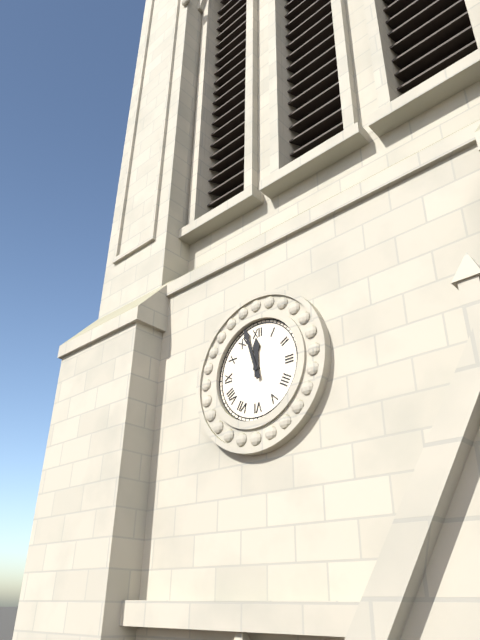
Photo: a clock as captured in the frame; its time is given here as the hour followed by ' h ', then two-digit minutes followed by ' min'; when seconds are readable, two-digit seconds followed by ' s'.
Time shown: 11 h 57 min
